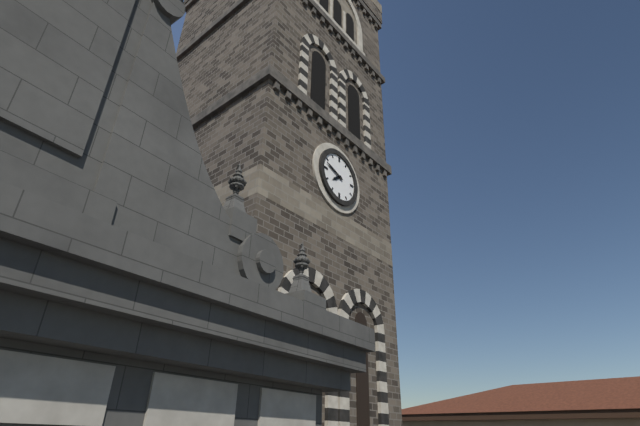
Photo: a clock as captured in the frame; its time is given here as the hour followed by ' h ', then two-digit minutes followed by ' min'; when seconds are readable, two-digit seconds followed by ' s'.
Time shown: 7 h 48 min
